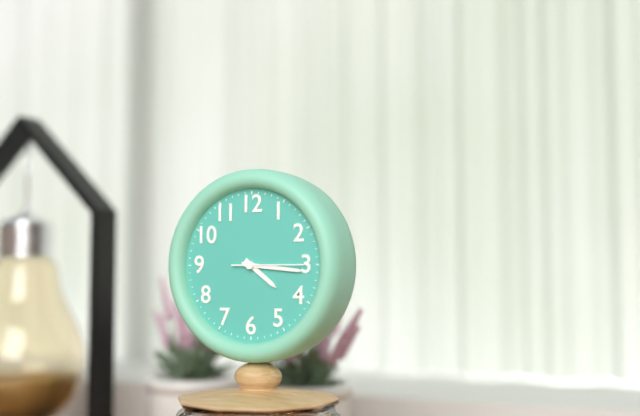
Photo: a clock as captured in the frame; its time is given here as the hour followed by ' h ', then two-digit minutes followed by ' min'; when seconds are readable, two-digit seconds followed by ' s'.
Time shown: 4 h 16 min 15 s
